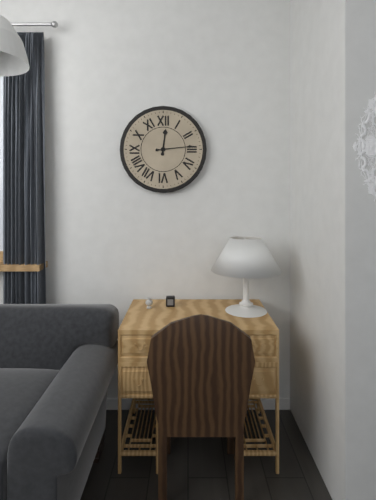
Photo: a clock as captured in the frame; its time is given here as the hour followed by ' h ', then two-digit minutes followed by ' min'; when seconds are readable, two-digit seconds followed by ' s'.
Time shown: 12 h 14 min
